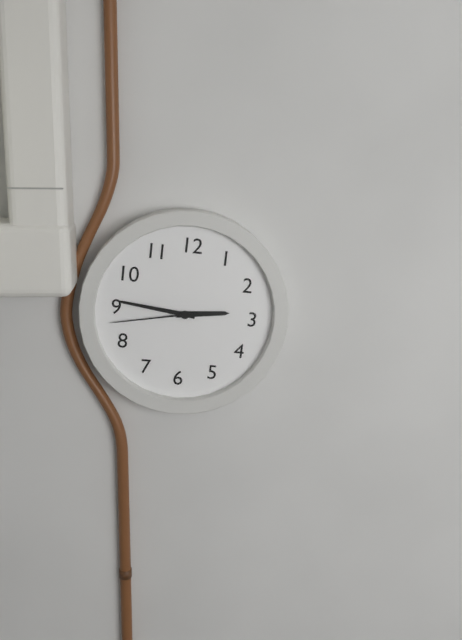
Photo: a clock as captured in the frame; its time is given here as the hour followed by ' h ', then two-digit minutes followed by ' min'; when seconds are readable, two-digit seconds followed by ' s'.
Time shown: 2 h 46 min 43 s
